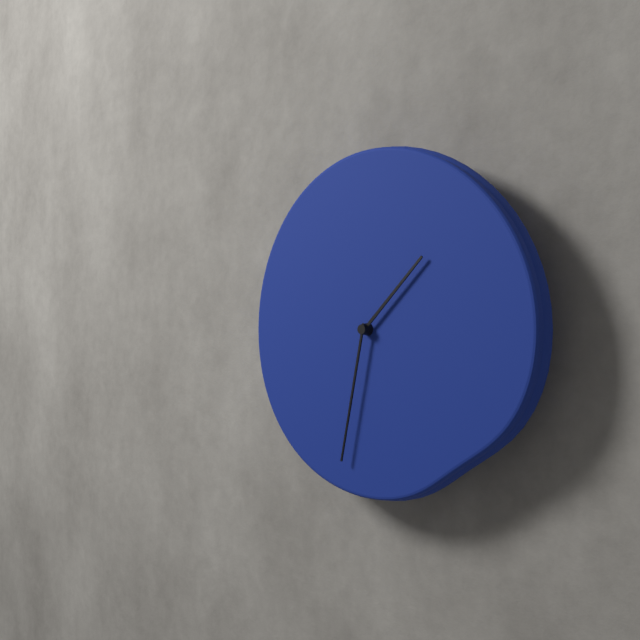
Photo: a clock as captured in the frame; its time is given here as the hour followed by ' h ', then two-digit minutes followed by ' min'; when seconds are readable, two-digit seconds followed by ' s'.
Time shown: 1 h 32 min
